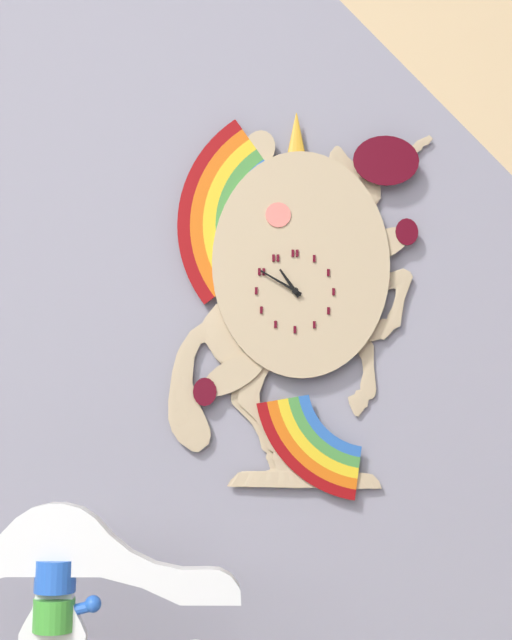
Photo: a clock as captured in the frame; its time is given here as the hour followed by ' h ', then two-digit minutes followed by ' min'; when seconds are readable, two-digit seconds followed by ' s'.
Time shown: 10 h 50 min
